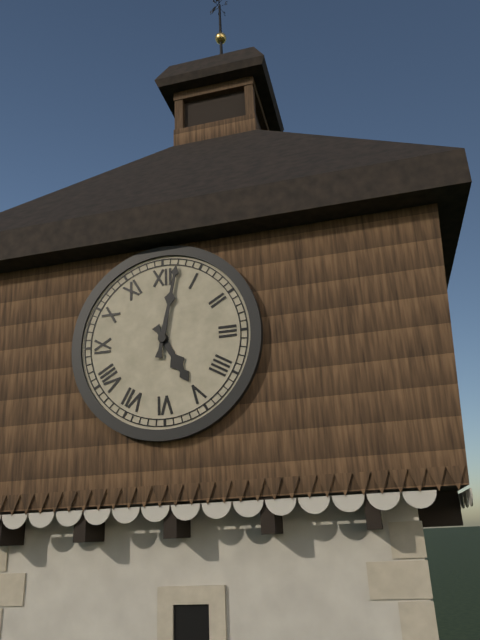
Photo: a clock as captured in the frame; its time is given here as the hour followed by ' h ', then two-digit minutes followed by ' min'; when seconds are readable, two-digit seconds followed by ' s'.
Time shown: 5 h 02 min
